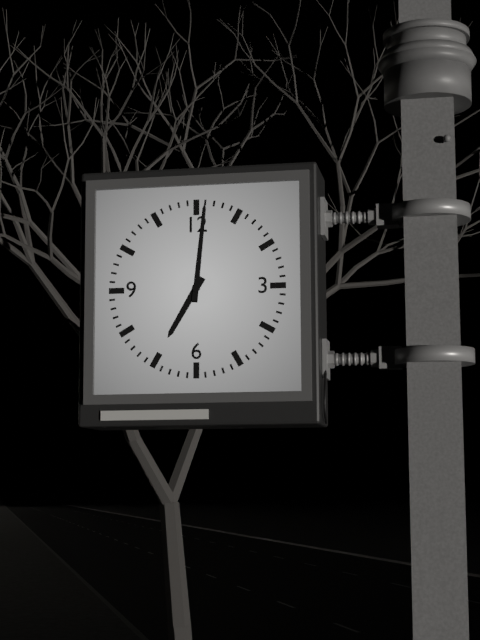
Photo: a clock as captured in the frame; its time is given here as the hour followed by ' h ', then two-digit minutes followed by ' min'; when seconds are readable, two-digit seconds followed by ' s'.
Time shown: 7 h 01 min
